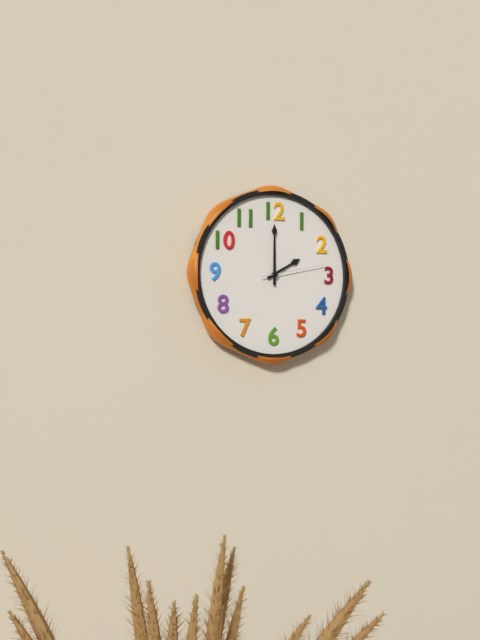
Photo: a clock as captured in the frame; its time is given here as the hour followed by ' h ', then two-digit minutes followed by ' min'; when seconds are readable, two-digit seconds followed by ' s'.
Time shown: 2 h 00 min 13 s
